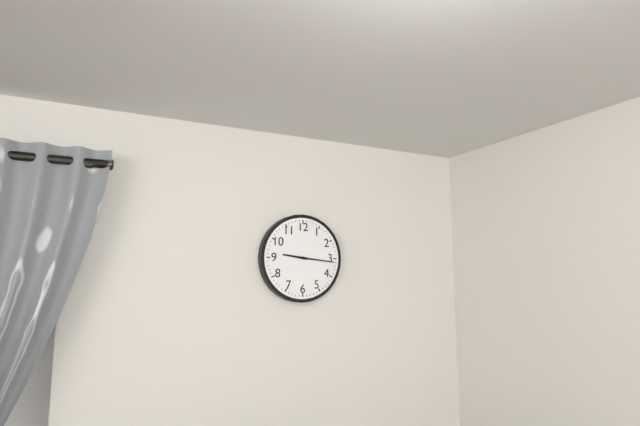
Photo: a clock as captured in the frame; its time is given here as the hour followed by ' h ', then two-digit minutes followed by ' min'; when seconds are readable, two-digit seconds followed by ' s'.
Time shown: 9 h 16 min
